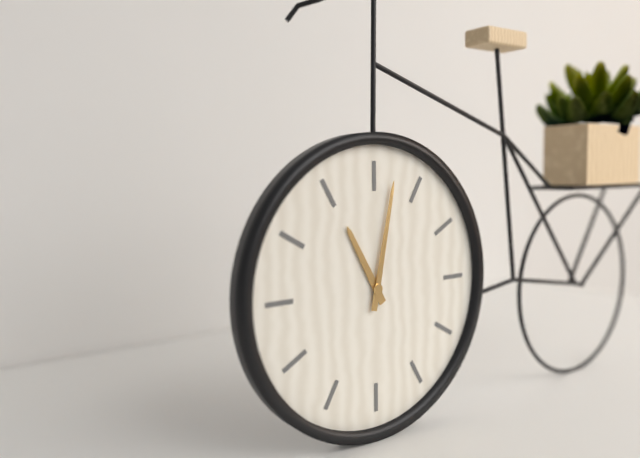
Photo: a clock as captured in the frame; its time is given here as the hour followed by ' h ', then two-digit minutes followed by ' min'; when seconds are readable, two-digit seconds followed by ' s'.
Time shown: 11 h 02 min
